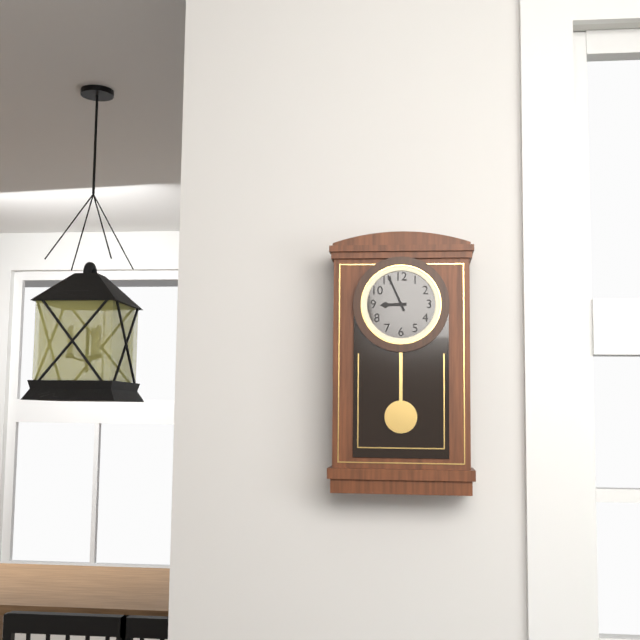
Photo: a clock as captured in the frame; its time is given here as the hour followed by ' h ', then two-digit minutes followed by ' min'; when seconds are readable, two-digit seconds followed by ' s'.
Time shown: 8 h 56 min
